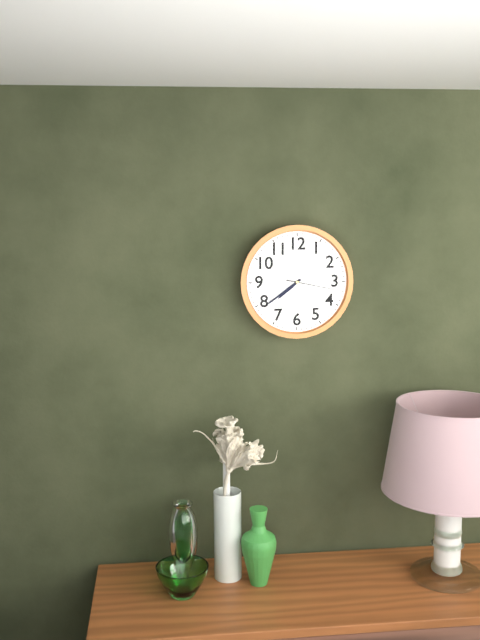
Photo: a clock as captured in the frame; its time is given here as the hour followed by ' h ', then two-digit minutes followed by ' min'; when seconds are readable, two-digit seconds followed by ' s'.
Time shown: 7 h 39 min 17 s
